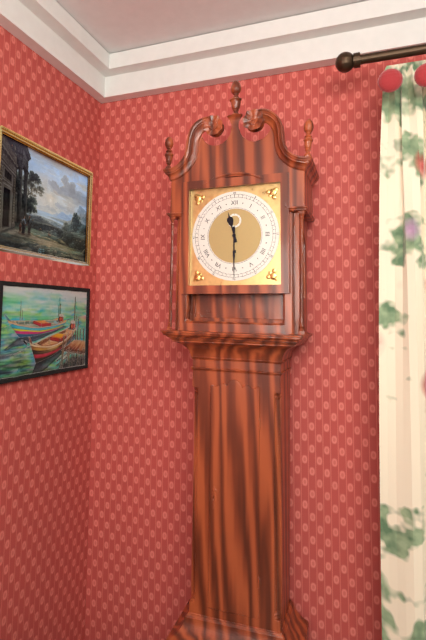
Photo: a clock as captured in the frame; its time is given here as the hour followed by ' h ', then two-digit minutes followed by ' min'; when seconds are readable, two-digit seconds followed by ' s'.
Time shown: 11 h 30 min
